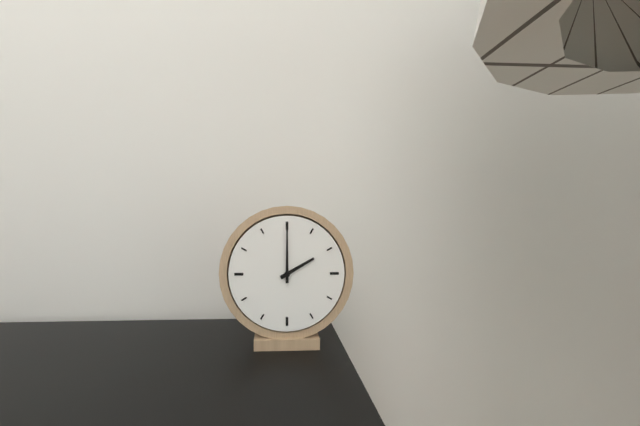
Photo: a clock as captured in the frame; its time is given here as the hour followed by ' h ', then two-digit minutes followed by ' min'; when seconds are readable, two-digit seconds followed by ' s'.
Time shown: 2 h 00 min
